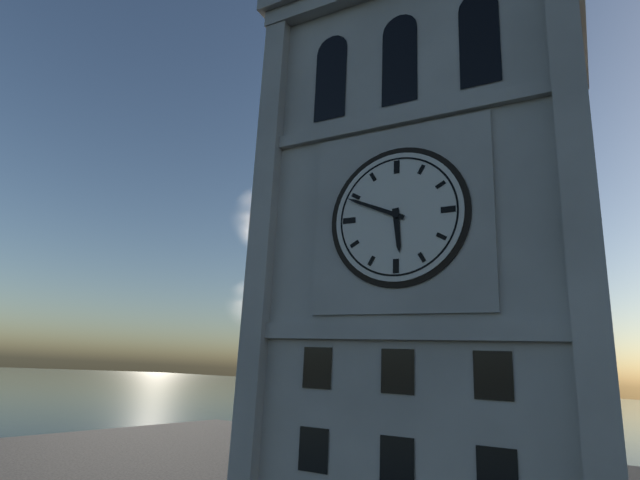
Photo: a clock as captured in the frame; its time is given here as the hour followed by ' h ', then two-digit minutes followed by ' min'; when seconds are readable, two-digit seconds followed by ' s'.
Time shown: 5 h 49 min
